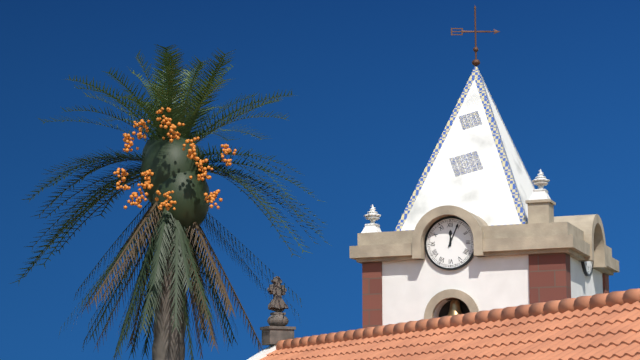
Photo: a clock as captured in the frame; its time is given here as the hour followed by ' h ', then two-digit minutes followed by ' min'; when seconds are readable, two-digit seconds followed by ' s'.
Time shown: 12 h 04 min
